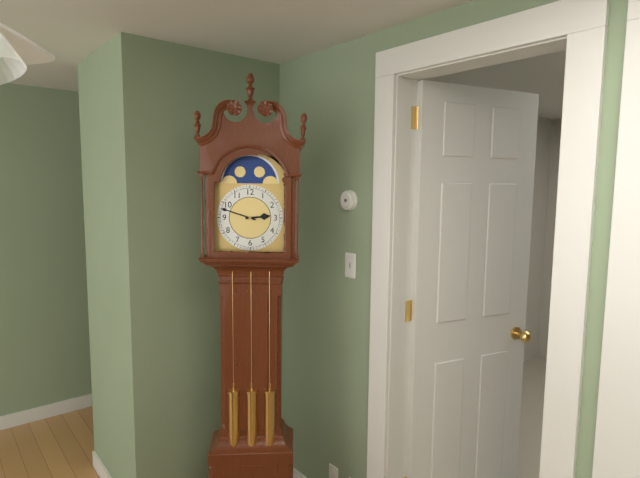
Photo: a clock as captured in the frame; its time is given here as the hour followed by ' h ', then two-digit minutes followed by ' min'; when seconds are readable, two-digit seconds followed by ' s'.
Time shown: 2 h 48 min
